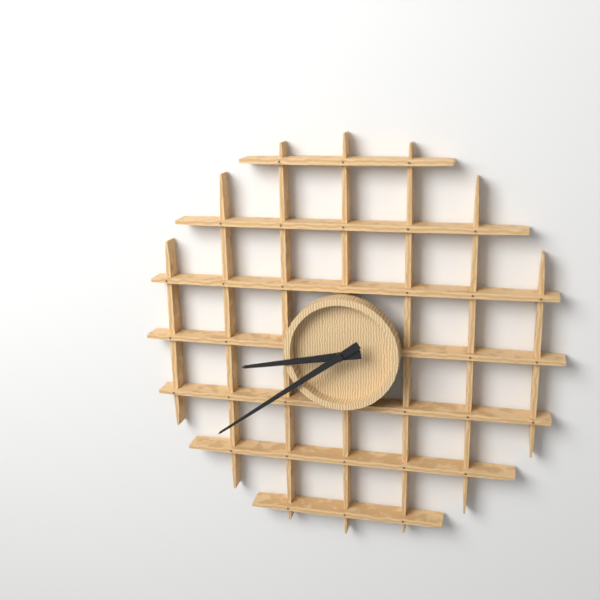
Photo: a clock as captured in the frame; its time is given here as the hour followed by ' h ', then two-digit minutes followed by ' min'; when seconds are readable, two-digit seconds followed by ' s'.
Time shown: 8 h 39 min
